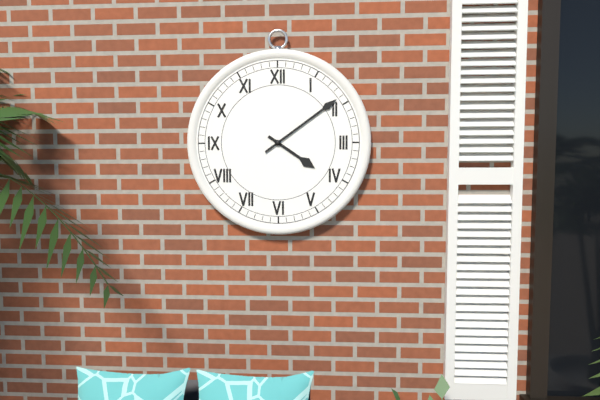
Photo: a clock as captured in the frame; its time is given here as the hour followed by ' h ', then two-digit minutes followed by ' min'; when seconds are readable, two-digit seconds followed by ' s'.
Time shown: 4 h 09 min
